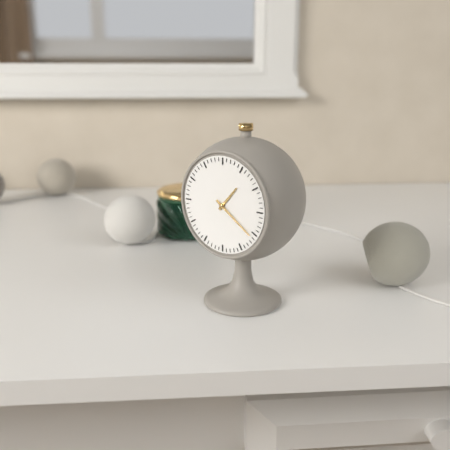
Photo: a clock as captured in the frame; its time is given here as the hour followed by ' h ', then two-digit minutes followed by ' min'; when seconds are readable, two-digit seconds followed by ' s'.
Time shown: 1 h 21 min
